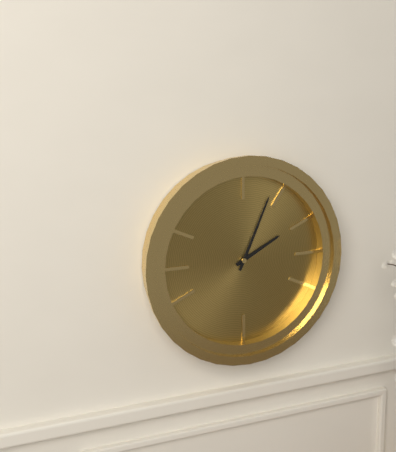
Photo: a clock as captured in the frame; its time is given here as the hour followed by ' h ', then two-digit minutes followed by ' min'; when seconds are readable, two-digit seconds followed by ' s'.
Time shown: 2 h 04 min
